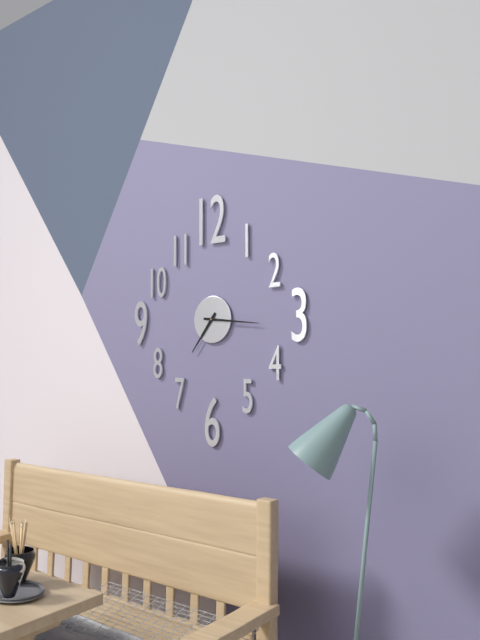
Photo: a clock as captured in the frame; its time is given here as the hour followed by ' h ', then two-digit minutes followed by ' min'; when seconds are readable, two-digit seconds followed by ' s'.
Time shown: 7 h 16 min
